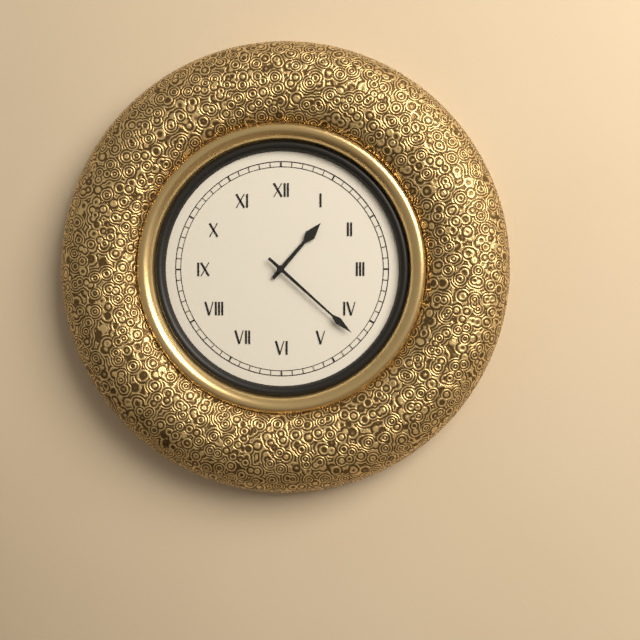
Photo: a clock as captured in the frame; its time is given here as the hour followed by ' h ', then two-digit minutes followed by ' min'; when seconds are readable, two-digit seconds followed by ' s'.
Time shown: 1 h 22 min
